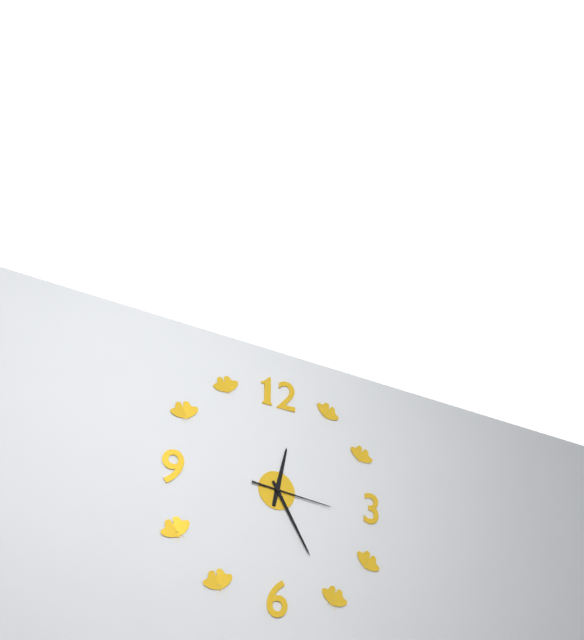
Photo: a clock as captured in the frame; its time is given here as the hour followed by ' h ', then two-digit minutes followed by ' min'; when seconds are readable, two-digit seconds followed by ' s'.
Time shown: 12 h 25 min 16 s
